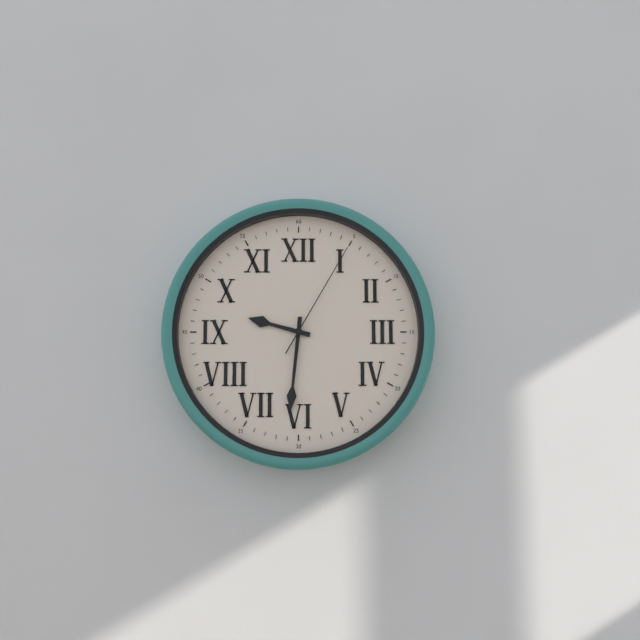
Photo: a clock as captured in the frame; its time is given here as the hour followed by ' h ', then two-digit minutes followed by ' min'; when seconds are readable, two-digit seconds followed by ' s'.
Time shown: 9 h 31 min 05 s
